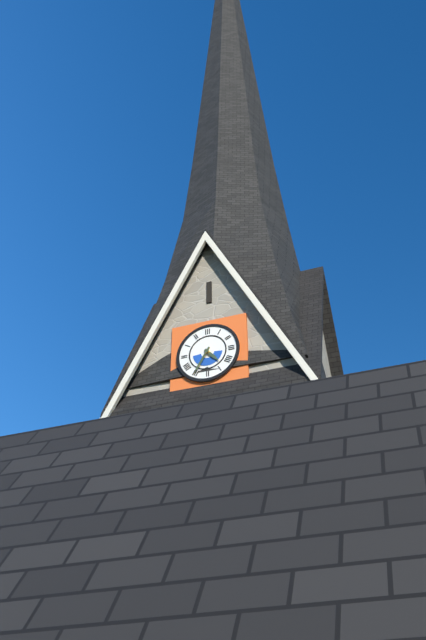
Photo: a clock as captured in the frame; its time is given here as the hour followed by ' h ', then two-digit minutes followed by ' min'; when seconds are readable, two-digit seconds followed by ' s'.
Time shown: 4 h 35 min
